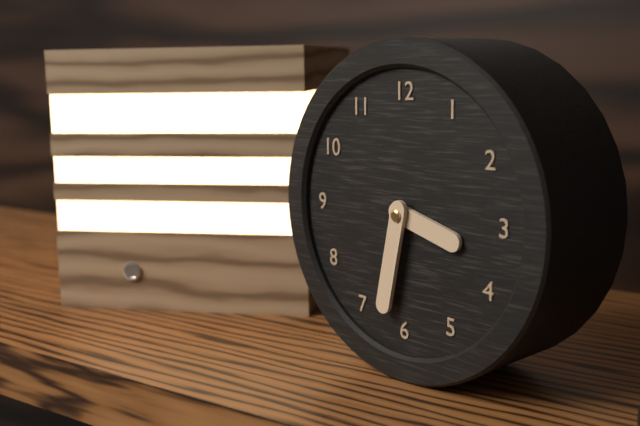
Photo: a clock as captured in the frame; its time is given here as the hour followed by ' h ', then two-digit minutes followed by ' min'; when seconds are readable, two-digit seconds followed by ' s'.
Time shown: 3 h 32 min
